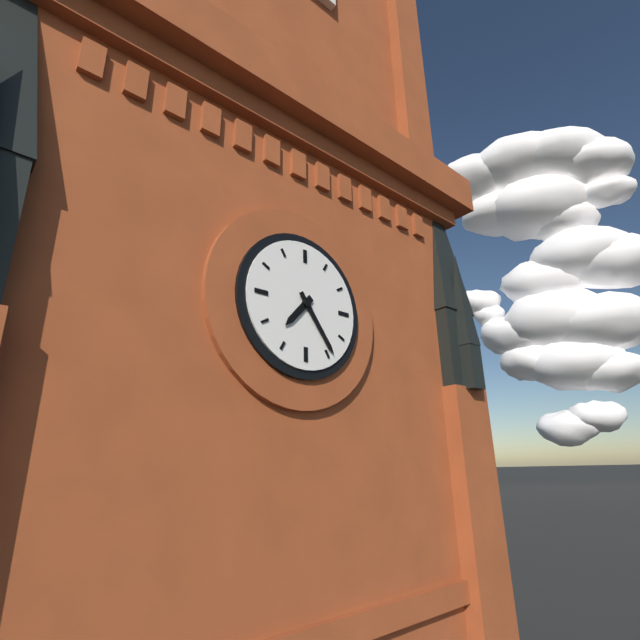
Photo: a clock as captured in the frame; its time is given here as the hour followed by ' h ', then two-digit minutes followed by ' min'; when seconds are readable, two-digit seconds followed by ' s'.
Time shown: 7 h 24 min
